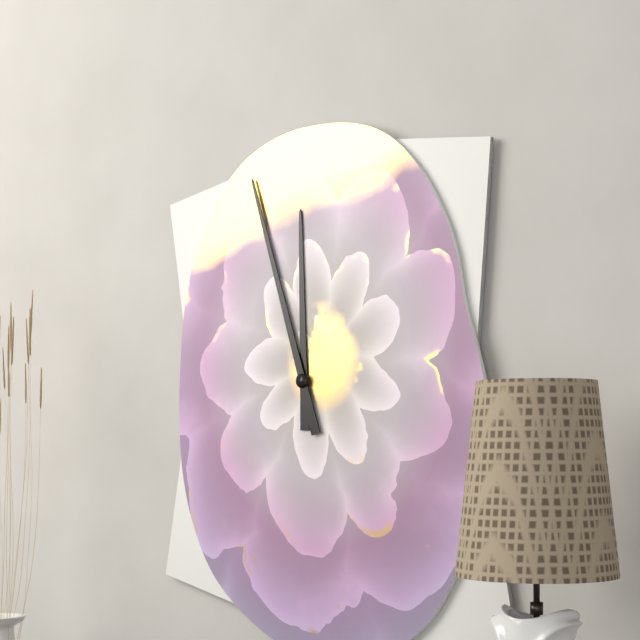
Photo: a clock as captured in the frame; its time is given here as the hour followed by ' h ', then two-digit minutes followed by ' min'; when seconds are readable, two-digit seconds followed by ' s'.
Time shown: 11 h 57 min
